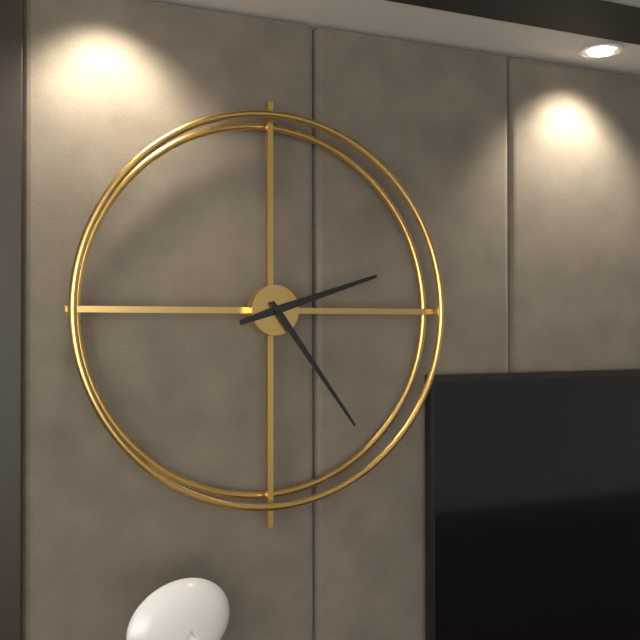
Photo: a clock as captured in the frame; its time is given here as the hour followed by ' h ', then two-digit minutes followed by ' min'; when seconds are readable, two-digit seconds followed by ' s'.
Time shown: 2 h 24 min
